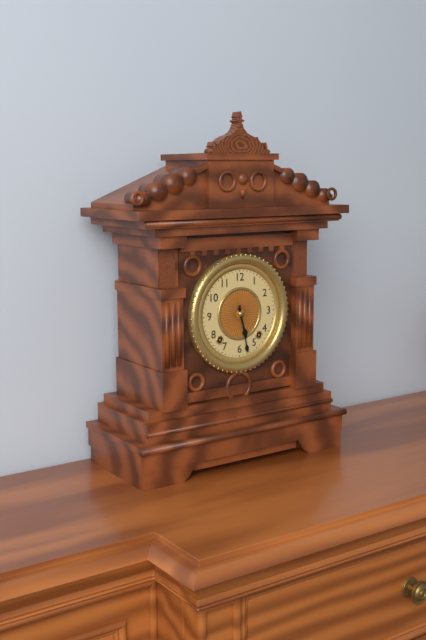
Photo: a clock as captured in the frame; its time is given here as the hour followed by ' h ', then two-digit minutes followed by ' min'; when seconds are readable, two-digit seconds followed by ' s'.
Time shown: 5 h 28 min
